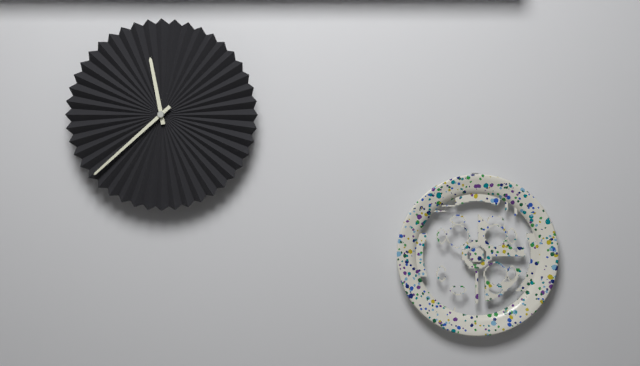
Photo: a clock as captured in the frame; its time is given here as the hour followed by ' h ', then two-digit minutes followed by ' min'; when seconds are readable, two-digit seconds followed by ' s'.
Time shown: 11 h 38 min
